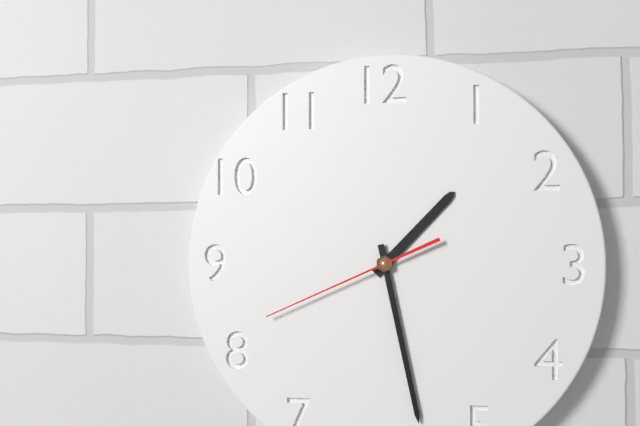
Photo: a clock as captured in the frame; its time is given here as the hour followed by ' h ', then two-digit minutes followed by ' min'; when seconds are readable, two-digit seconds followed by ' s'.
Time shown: 1 h 28 min 41 s
